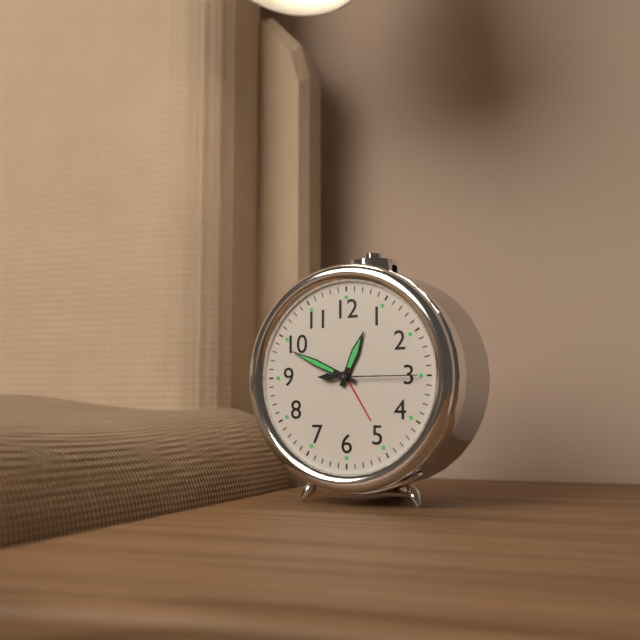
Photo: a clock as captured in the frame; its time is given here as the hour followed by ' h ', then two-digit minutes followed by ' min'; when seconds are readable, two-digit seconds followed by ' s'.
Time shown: 12 h 49 min 15 s
